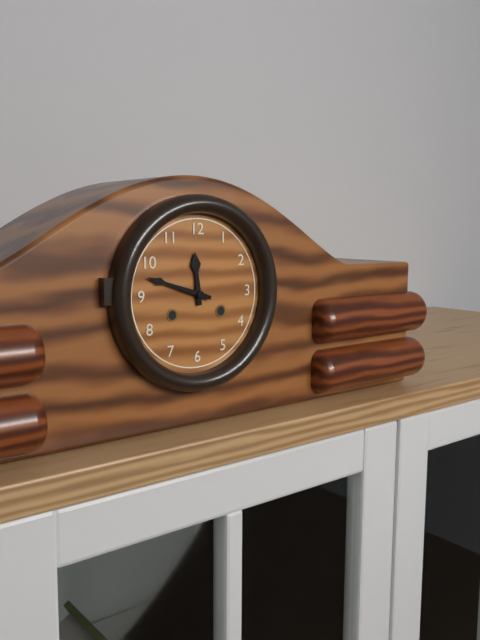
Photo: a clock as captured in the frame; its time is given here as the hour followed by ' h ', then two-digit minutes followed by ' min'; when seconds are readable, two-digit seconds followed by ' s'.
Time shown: 11 h 48 min
